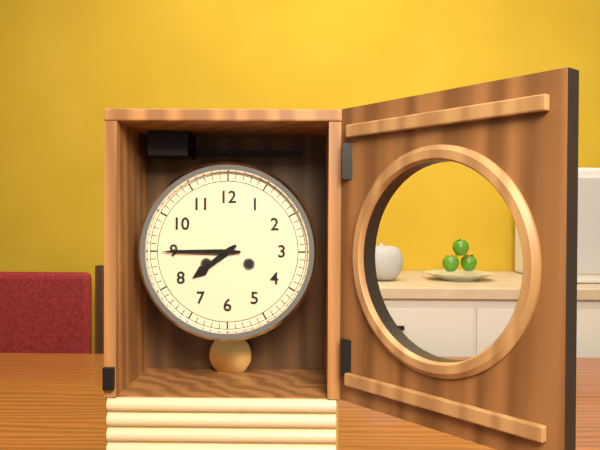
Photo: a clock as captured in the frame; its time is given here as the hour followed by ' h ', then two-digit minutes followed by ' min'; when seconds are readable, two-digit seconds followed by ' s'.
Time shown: 7 h 45 min
